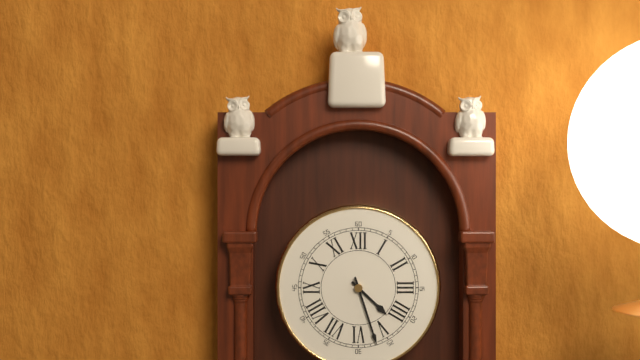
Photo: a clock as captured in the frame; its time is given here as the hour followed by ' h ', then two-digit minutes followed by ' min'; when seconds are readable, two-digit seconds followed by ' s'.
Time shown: 4 h 27 min
